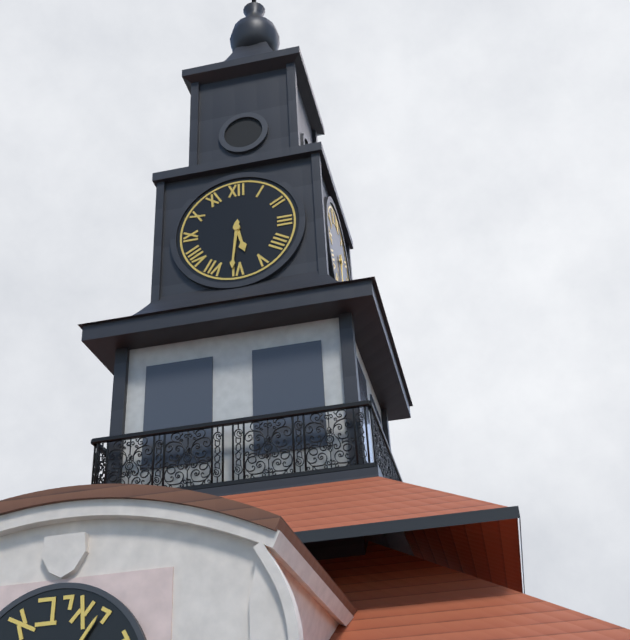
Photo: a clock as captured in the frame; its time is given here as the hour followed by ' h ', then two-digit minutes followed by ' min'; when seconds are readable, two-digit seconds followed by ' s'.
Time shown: 5 h 31 min
